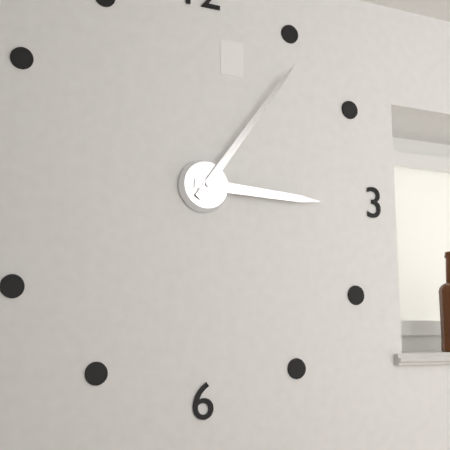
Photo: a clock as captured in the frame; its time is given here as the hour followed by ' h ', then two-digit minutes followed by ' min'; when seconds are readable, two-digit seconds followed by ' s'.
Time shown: 3 h 06 min
